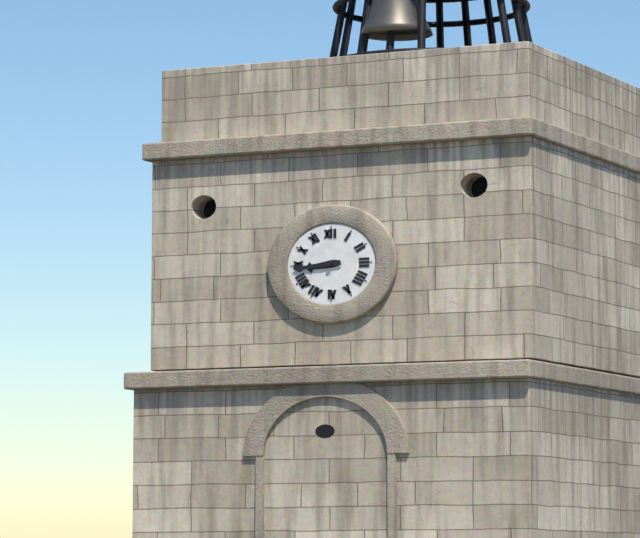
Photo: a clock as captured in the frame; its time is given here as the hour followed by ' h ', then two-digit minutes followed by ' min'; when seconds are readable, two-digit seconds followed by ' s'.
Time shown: 8 h 44 min
